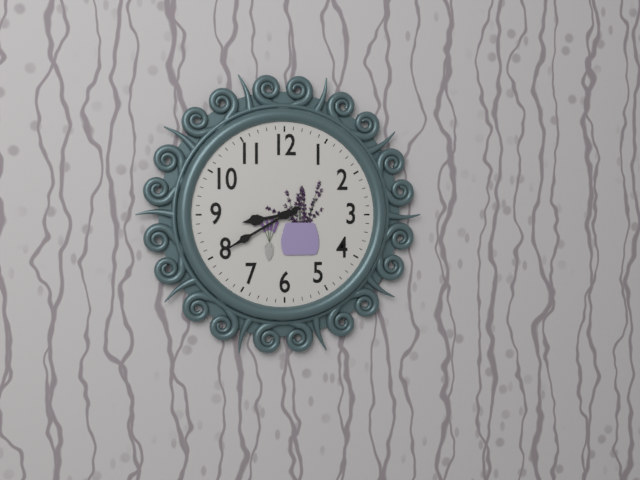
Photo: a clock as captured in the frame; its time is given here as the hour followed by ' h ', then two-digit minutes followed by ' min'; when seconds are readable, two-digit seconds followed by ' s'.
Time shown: 8 h 40 min
